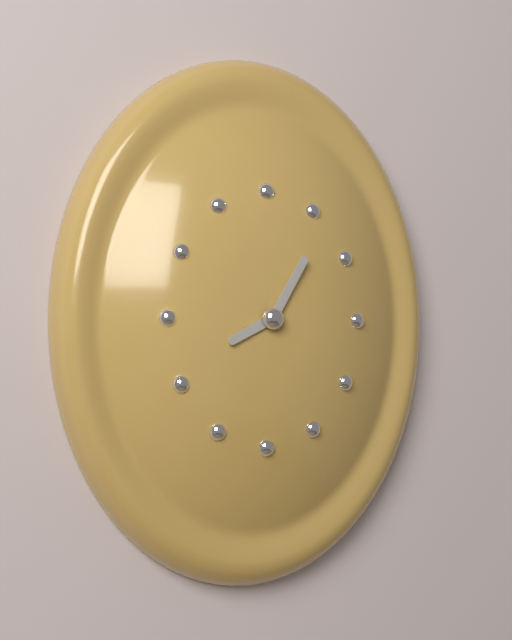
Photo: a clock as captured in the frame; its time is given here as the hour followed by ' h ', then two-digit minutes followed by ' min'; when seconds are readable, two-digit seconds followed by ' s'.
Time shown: 8 h 05 min
